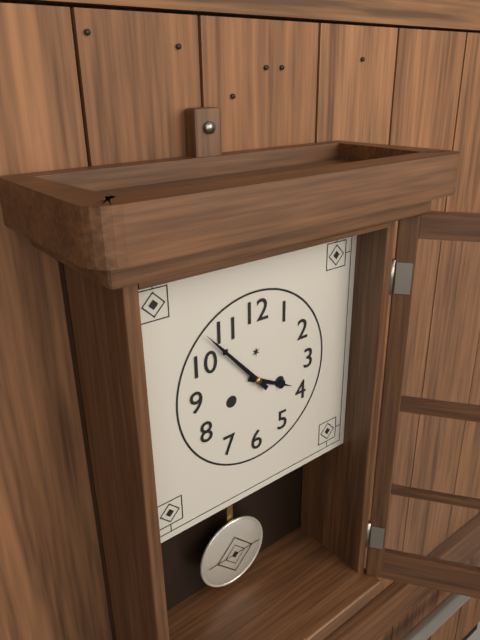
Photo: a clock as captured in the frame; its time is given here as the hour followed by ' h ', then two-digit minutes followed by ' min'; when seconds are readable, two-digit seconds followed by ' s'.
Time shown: 3 h 53 min
